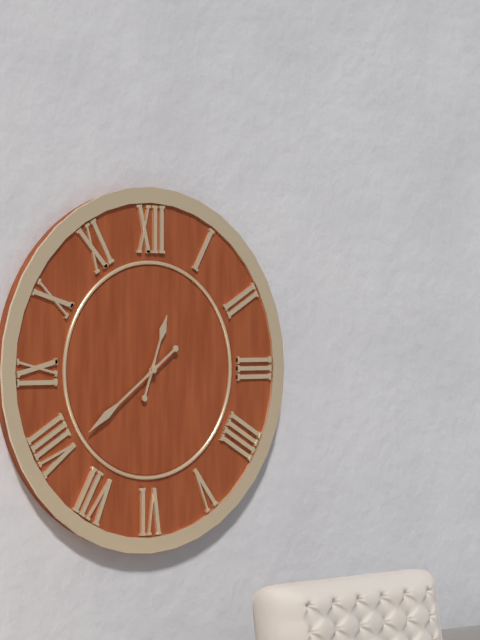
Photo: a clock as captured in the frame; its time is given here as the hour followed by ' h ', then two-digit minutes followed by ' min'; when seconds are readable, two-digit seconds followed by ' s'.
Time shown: 12 h 39 min
